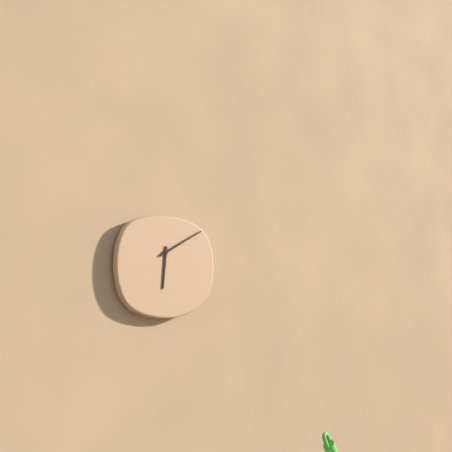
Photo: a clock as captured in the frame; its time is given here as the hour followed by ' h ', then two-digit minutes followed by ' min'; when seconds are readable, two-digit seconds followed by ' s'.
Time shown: 6 h 10 min
